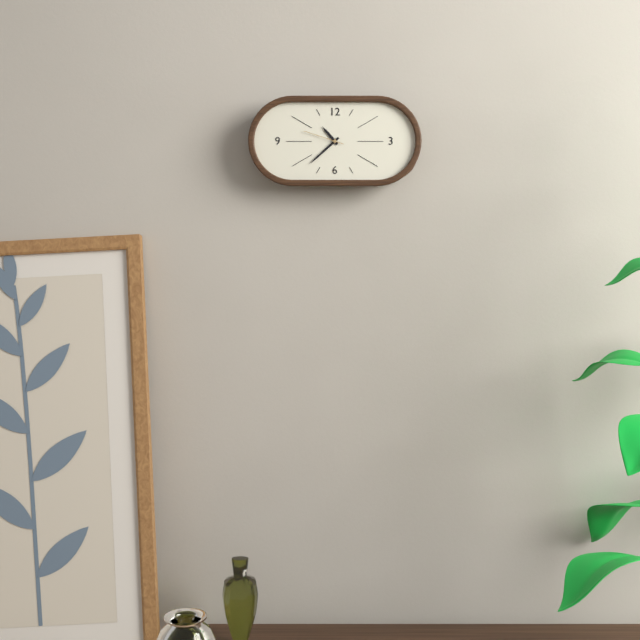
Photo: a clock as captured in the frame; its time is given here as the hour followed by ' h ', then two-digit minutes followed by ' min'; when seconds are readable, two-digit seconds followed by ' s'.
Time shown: 10 h 38 min
